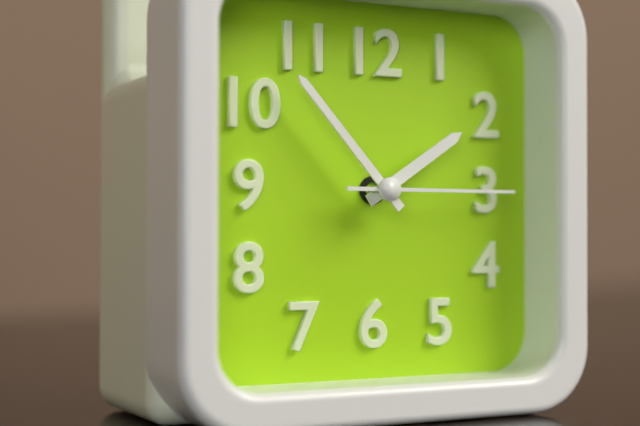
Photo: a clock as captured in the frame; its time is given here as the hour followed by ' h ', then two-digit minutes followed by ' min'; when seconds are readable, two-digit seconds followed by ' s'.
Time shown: 1 h 53 min 15 s
